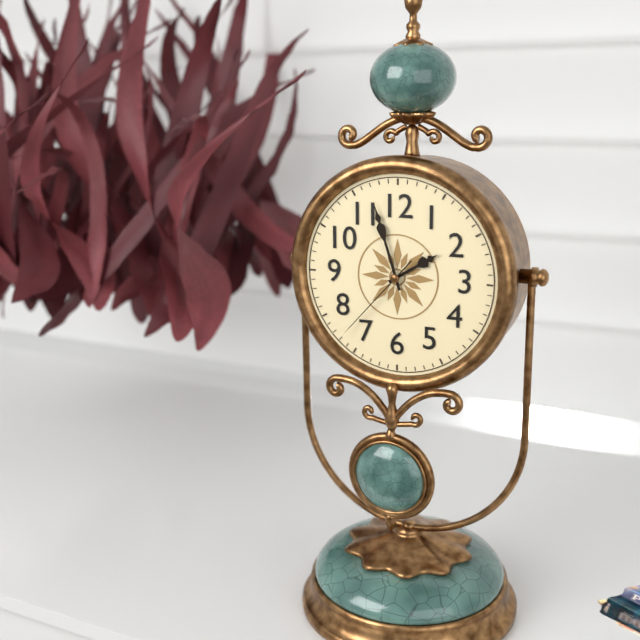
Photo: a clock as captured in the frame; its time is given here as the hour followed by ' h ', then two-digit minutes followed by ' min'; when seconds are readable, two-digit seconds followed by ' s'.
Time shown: 1 h 57 min 37 s
